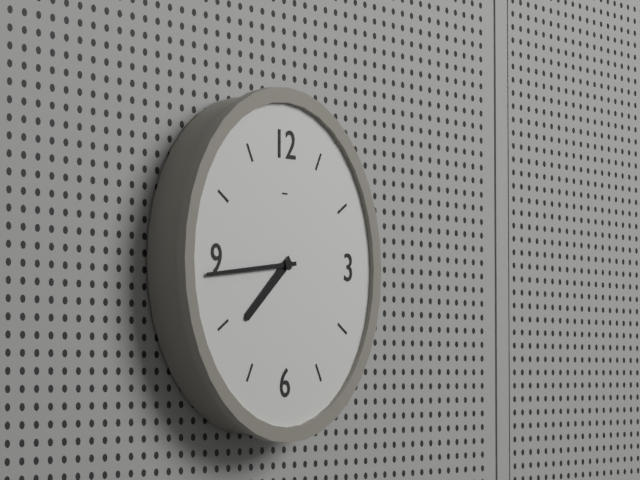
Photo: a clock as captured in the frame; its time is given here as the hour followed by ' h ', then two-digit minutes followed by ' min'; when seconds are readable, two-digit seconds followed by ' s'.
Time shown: 7 h 44 min
